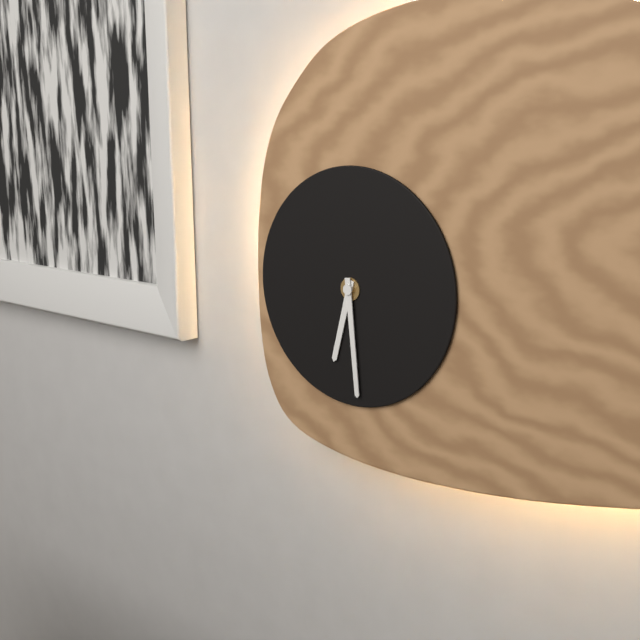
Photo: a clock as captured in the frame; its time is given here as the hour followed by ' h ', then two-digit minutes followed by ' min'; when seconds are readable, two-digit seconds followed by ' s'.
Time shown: 6 h 29 min
